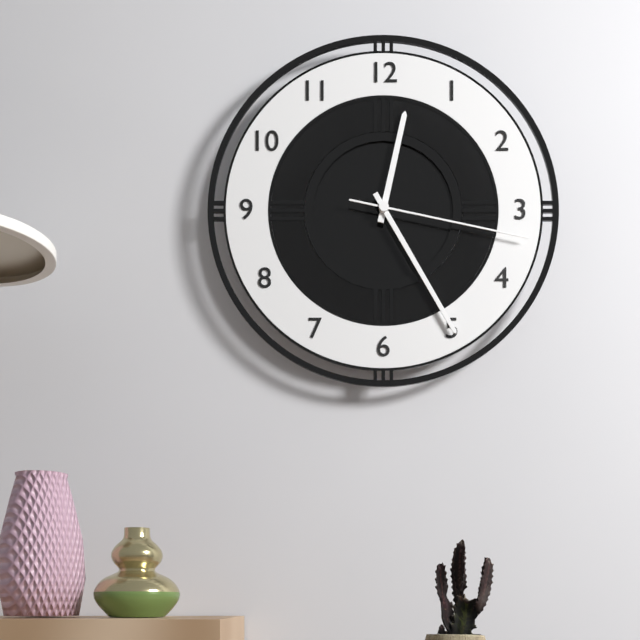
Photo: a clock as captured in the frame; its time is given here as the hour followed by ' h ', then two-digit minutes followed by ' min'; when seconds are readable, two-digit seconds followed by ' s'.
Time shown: 12 h 25 min 17 s
